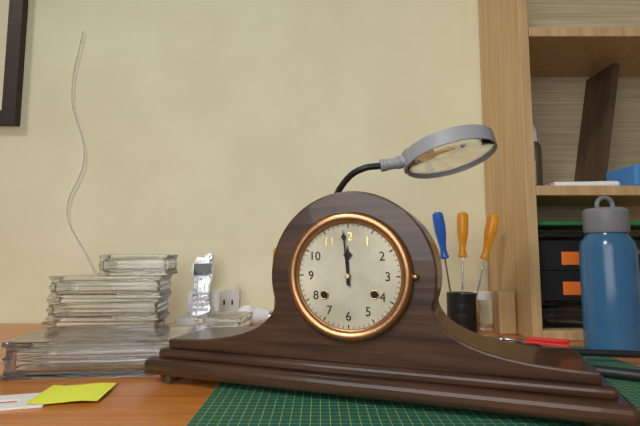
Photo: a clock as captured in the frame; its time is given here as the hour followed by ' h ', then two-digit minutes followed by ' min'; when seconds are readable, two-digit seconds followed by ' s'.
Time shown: 11 h 59 min
